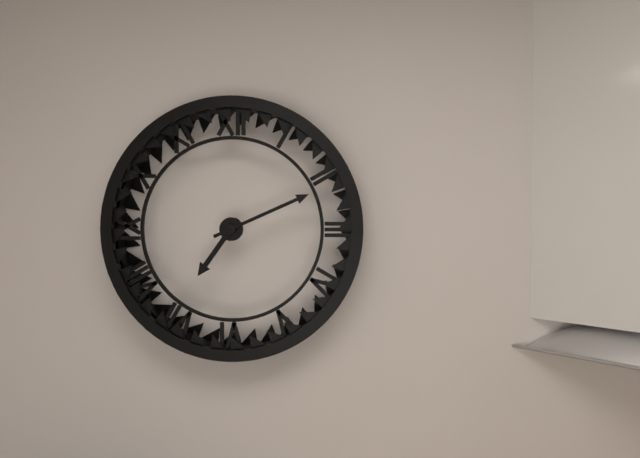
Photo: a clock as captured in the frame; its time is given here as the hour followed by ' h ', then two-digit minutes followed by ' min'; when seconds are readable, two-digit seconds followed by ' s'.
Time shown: 7 h 11 min
